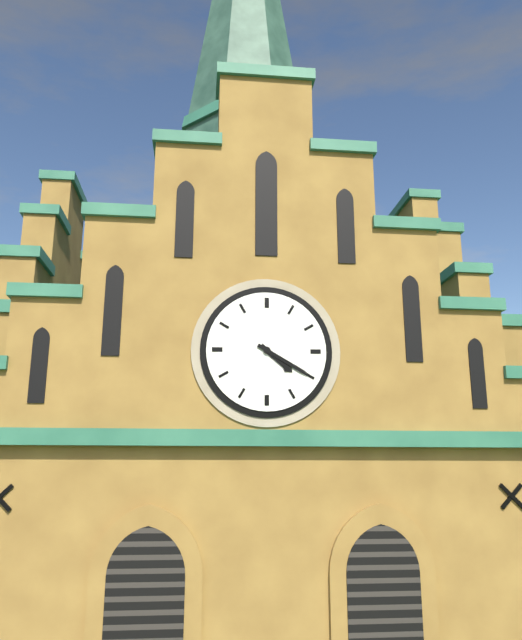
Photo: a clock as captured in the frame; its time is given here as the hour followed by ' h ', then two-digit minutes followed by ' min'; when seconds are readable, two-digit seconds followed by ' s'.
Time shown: 4 h 20 min
